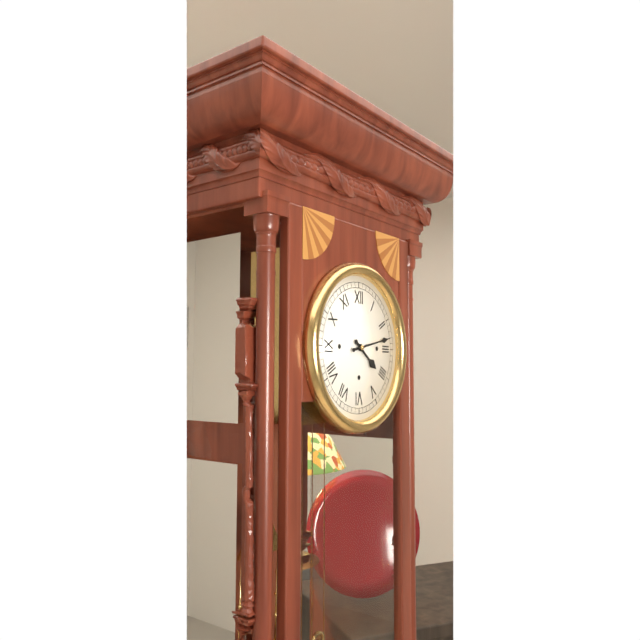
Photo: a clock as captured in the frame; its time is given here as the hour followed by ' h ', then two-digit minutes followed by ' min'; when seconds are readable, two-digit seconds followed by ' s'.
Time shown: 4 h 13 min
